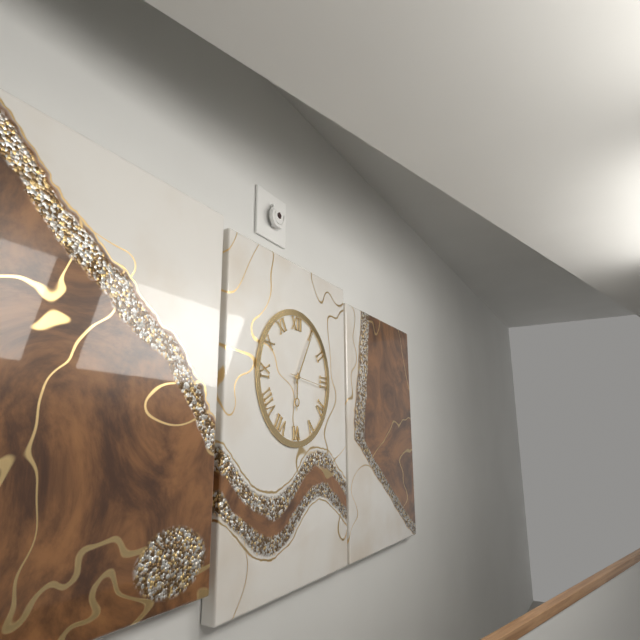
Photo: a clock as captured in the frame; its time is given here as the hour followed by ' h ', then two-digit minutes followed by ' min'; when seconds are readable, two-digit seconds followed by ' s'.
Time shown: 6 h 05 min
